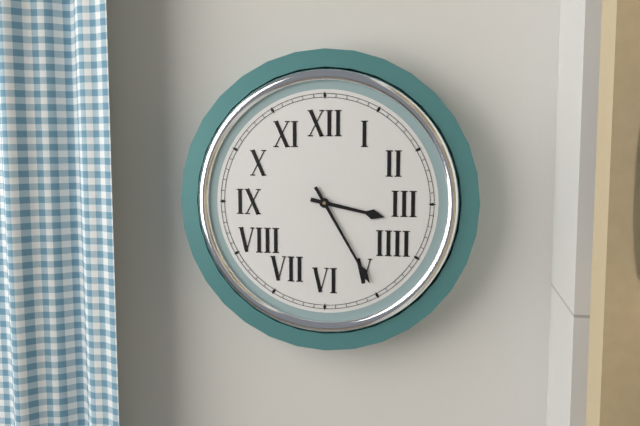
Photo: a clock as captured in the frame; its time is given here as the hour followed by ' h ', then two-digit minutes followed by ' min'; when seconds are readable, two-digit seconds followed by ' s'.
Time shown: 3 h 25 min
